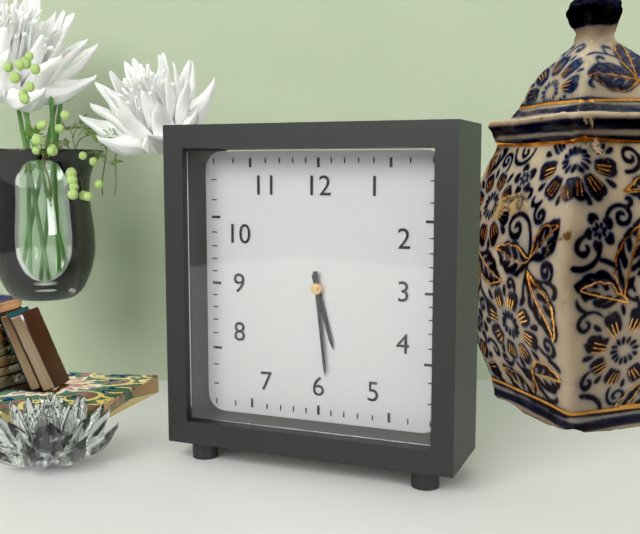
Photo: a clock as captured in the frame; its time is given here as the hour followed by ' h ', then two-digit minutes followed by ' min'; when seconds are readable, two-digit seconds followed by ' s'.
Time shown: 5 h 29 min
